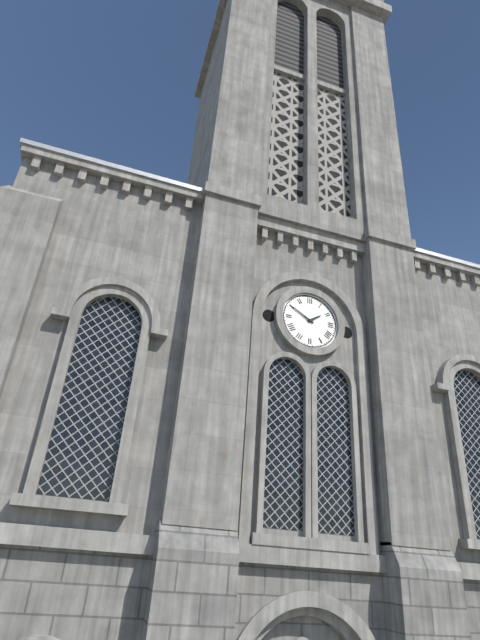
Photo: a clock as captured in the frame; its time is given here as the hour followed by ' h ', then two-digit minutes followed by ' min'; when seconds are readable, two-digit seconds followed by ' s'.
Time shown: 1 h 50 min
